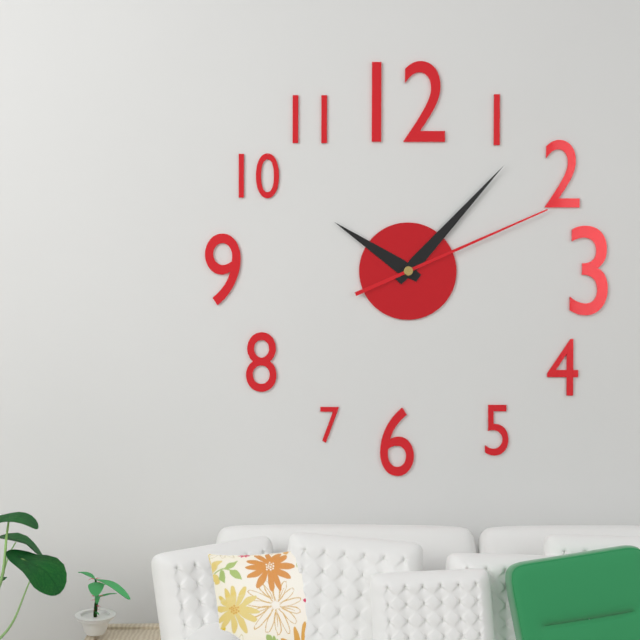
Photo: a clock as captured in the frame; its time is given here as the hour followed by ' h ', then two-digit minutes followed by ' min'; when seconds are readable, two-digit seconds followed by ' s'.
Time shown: 10 h 07 min 11 s
